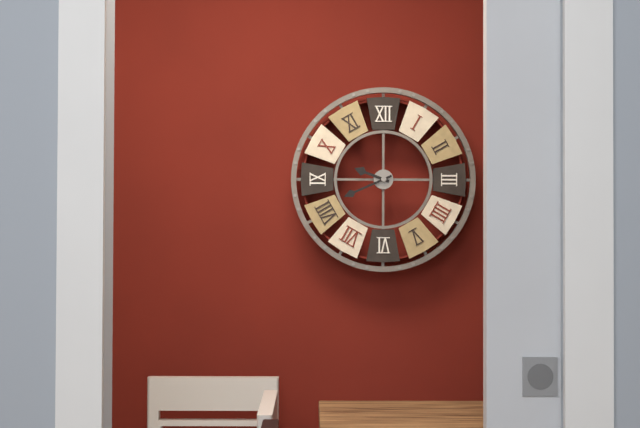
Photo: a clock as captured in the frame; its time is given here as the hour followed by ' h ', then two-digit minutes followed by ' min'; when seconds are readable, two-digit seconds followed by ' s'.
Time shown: 9 h 41 min
